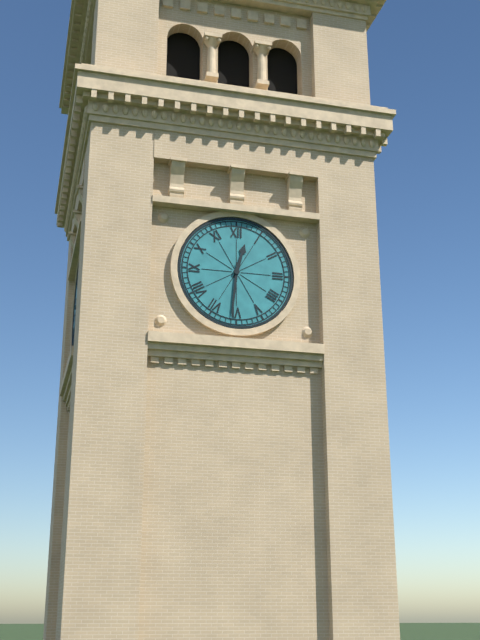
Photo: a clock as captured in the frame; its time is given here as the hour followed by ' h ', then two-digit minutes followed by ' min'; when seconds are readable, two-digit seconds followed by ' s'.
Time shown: 12 h 31 min
